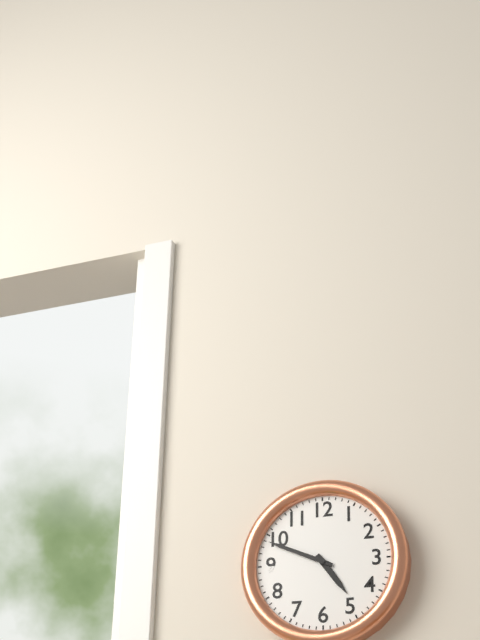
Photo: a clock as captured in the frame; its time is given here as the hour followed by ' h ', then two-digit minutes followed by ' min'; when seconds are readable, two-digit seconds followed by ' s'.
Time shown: 4 h 49 min
